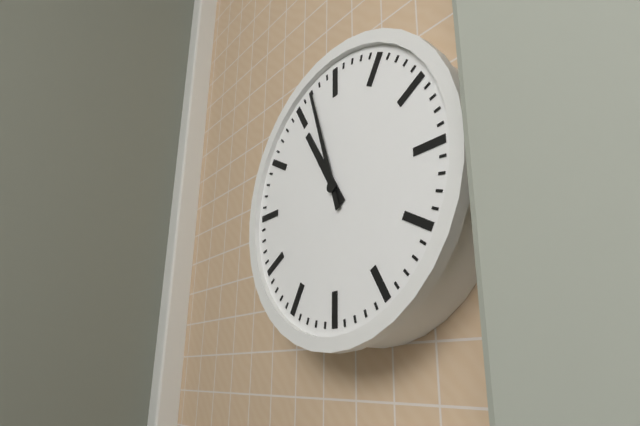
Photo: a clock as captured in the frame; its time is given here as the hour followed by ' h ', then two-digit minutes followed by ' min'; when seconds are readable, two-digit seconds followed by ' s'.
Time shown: 10 h 57 min
